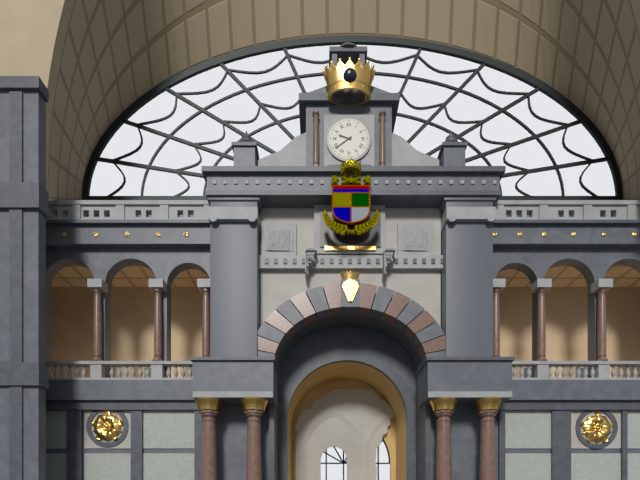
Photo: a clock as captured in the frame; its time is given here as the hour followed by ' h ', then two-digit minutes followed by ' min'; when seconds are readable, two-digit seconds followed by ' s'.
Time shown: 9 h 39 min
